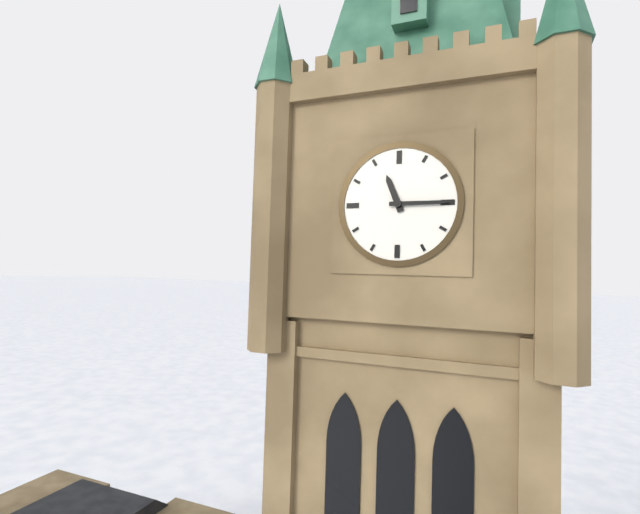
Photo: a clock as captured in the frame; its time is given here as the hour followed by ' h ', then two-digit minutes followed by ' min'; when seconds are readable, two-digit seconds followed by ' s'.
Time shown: 11 h 15 min
